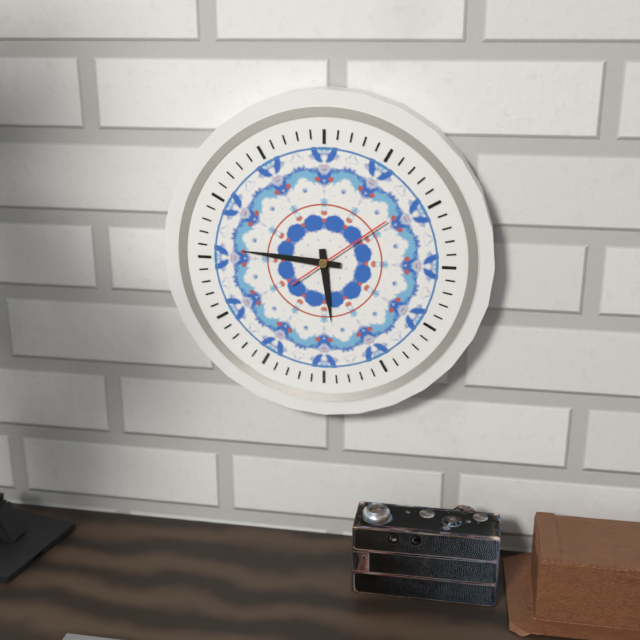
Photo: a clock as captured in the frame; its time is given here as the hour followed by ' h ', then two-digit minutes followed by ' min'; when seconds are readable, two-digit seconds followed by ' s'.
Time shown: 5 h 46 min 09 s
